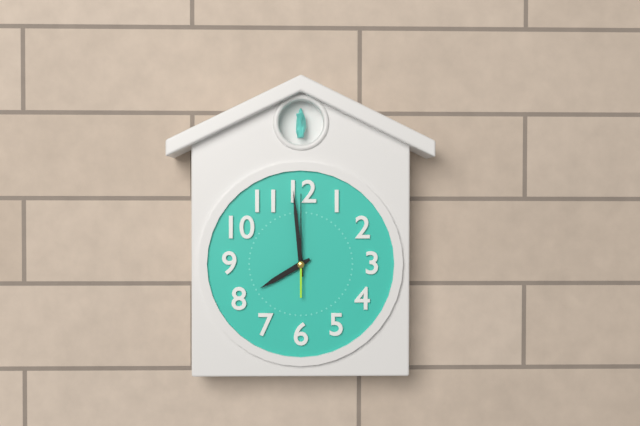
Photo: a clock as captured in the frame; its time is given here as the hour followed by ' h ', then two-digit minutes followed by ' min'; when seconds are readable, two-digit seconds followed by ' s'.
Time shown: 7 h 59 min 00 s
